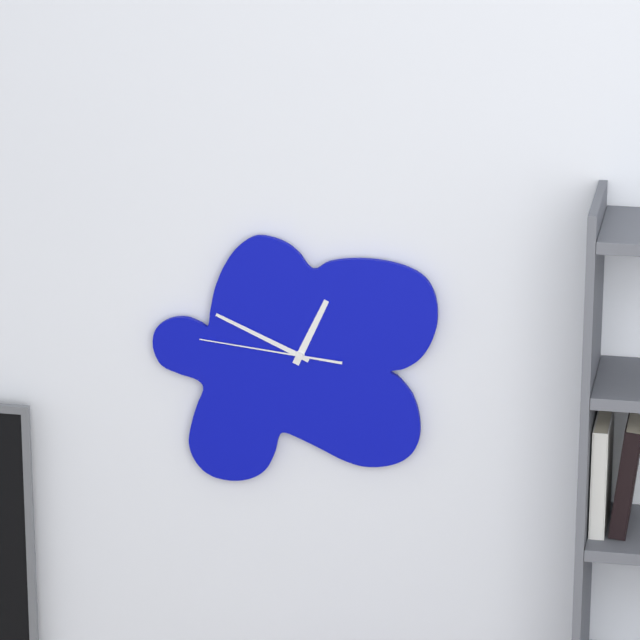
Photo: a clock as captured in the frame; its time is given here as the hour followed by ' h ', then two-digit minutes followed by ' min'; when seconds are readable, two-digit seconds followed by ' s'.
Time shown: 12 h 49 min 46 s
